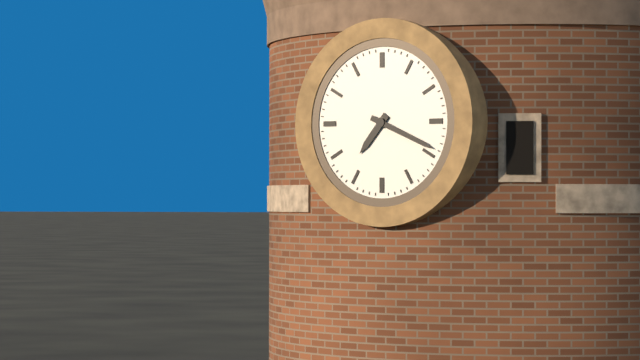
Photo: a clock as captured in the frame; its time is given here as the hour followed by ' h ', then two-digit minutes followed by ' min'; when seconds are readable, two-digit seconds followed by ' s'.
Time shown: 7 h 19 min
